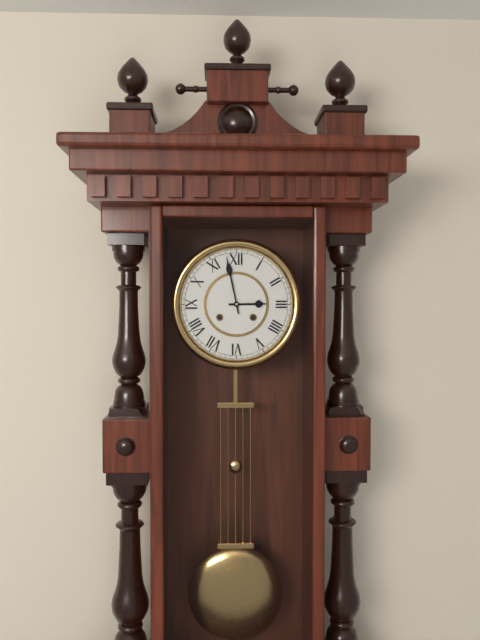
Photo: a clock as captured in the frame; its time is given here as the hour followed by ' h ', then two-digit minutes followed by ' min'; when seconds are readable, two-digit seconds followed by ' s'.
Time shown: 2 h 58 min
